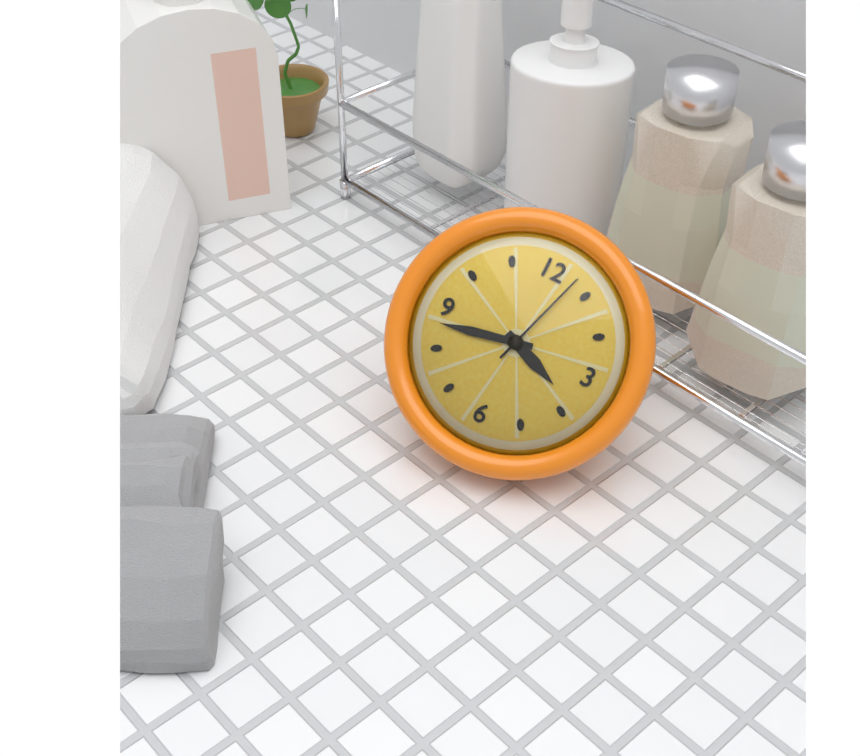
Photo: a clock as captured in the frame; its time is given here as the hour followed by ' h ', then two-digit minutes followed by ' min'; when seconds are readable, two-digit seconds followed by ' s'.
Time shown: 3 h 43 min 03 s
